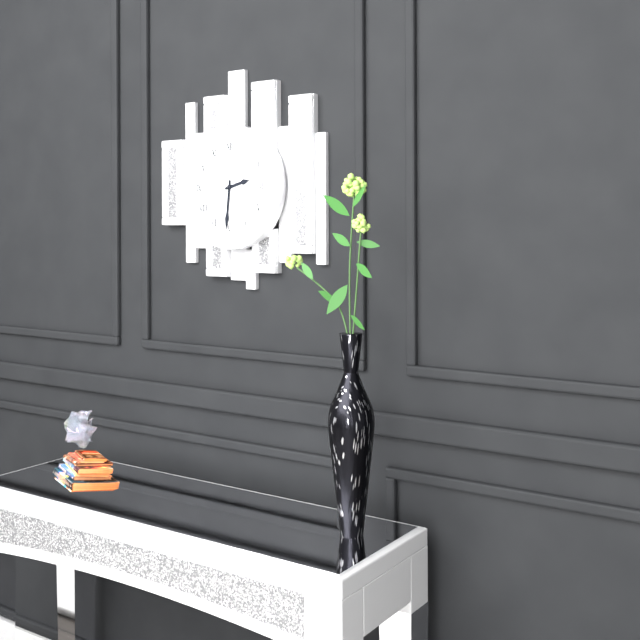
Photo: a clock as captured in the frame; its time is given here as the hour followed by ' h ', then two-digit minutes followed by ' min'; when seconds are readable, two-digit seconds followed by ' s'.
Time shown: 2 h 31 min
